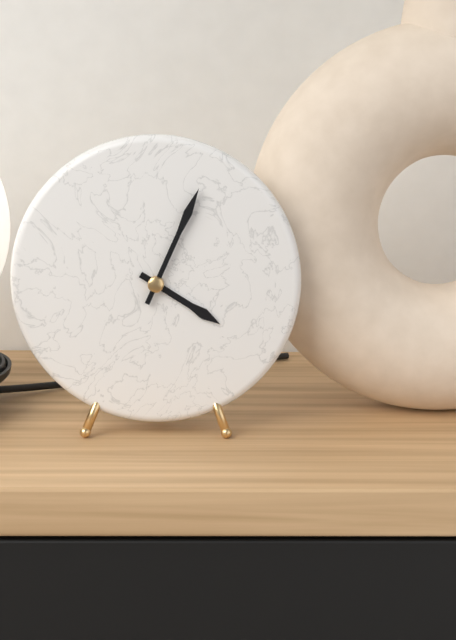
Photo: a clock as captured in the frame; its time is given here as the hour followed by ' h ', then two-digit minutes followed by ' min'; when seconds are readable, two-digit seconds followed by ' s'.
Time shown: 4 h 04 min
